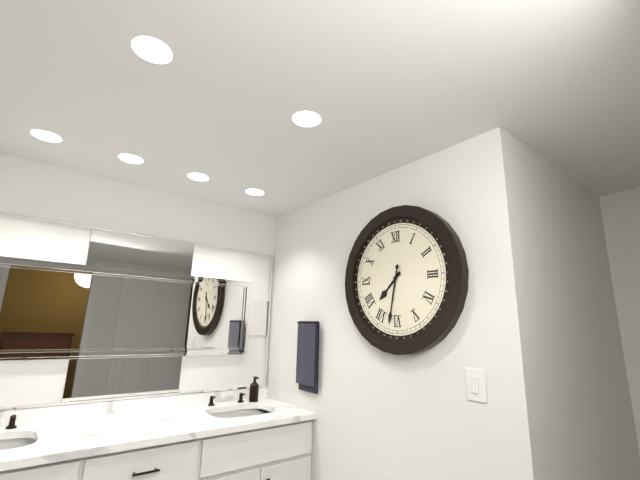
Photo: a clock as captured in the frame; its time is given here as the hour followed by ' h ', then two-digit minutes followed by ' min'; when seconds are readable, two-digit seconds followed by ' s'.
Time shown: 7 h 32 min
